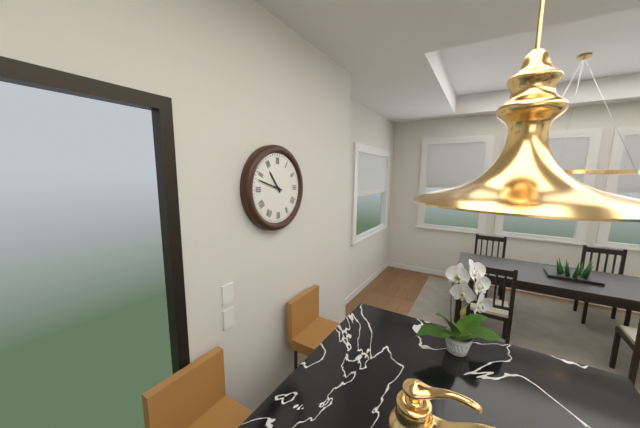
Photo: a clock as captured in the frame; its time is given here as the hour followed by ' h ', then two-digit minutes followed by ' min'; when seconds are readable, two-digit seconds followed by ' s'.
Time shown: 10 h 48 min
